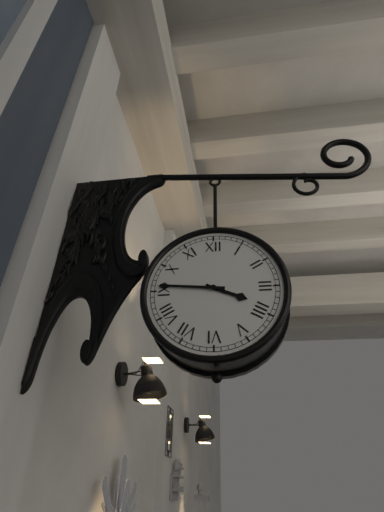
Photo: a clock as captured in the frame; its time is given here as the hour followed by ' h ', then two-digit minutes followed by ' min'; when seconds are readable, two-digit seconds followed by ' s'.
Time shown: 3 h 46 min
